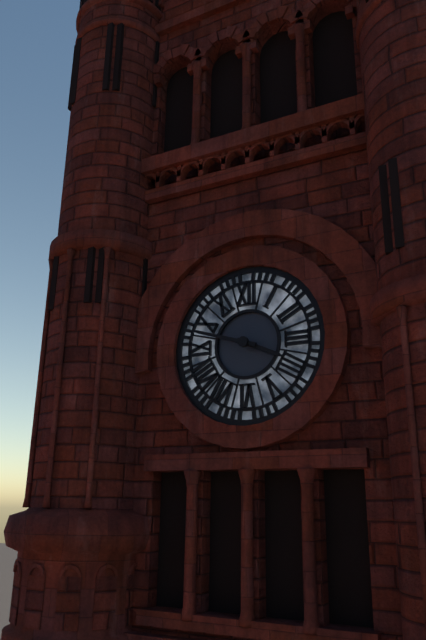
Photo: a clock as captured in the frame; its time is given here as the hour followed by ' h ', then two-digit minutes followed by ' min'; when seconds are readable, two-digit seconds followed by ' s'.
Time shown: 3 h 48 min
